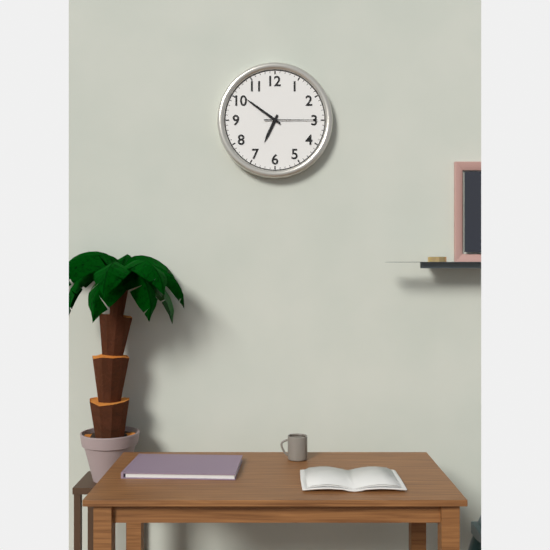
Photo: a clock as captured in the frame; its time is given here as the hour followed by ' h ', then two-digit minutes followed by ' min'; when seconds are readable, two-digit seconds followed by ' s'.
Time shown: 6 h 51 min 15 s
